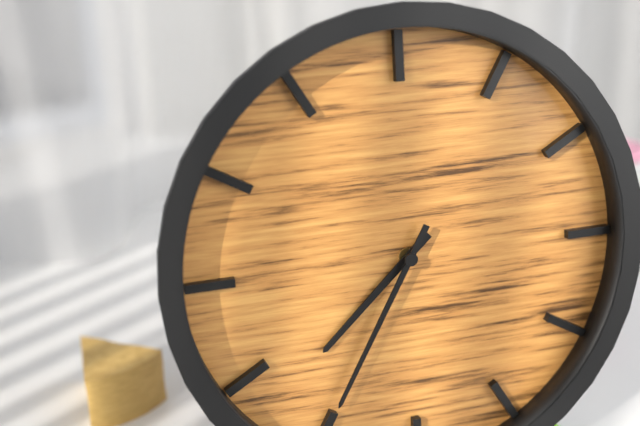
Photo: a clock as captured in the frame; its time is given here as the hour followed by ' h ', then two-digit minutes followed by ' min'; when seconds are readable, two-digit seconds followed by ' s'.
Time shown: 7 h 35 min
